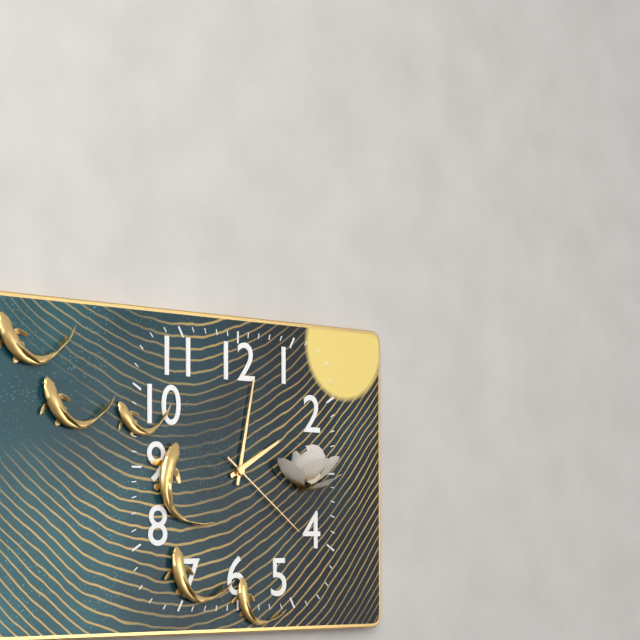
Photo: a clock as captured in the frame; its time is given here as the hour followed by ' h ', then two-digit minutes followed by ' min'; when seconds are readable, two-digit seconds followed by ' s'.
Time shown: 2 h 02 min 21 s
